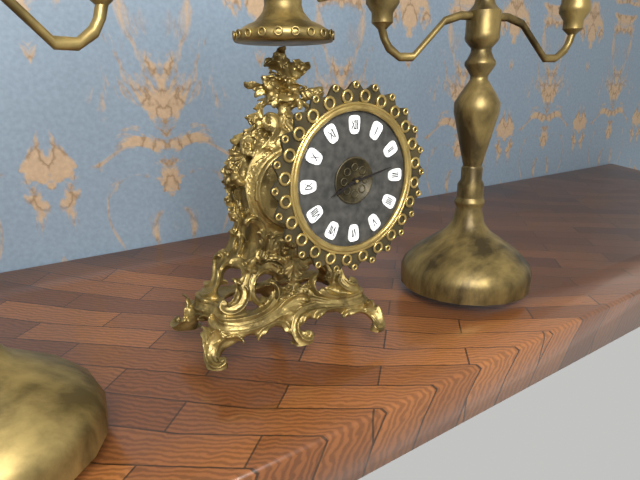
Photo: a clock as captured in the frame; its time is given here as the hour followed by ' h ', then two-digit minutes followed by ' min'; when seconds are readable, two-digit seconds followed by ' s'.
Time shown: 8 h 13 min
